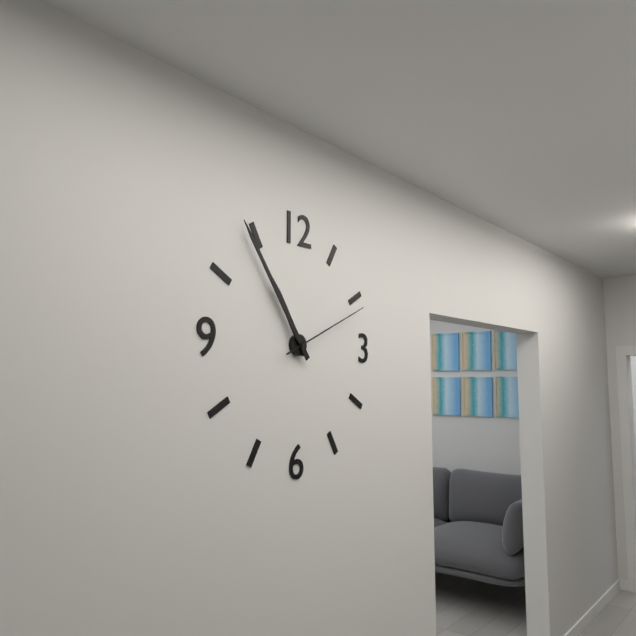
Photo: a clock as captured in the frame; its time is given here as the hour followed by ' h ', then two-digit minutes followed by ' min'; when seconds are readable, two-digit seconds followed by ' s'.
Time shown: 10 h 54 min 11 s
